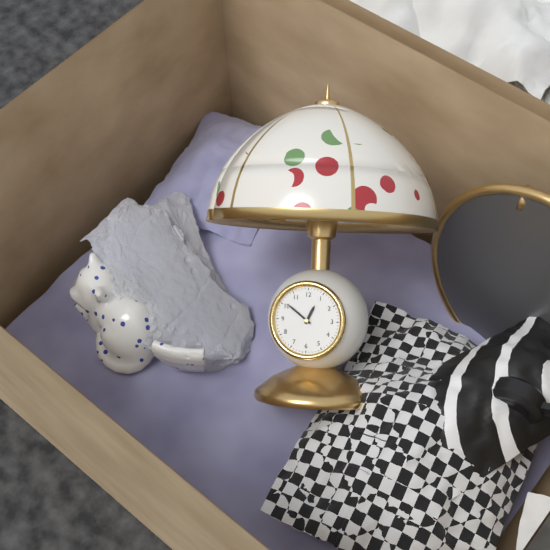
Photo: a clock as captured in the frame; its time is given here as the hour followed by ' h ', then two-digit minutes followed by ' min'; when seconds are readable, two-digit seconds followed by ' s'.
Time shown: 12 h 51 min
